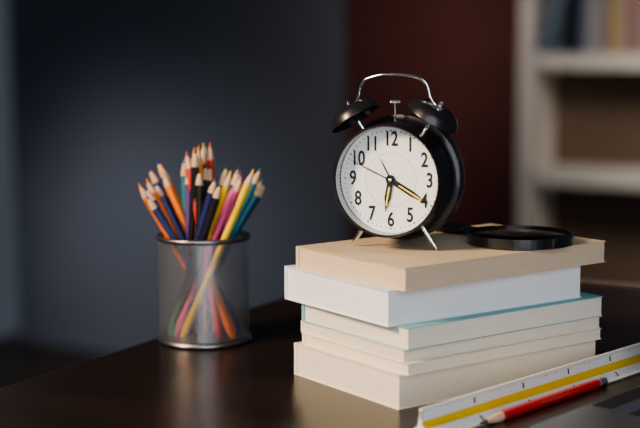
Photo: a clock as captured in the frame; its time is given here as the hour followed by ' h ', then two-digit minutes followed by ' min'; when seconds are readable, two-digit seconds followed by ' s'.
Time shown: 6 h 20 min 49 s
